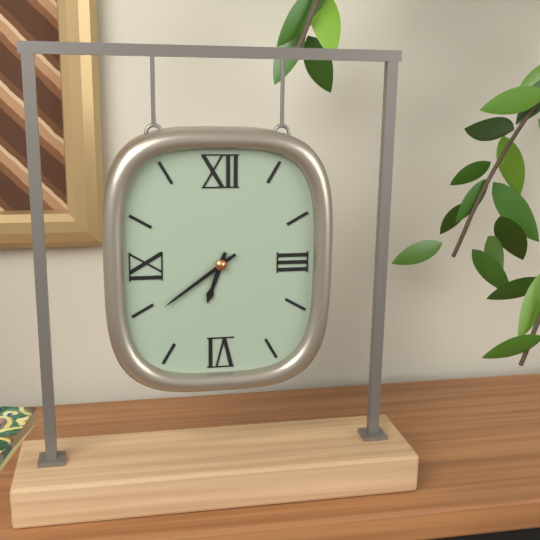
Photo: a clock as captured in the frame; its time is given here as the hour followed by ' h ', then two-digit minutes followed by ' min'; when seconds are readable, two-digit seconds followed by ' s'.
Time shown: 6 h 39 min
